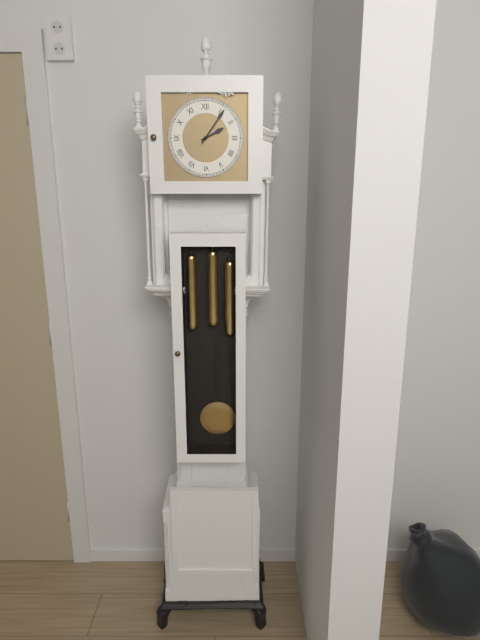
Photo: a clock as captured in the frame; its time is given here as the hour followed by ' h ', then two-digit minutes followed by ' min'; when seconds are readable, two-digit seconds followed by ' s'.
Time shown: 2 h 06 min
